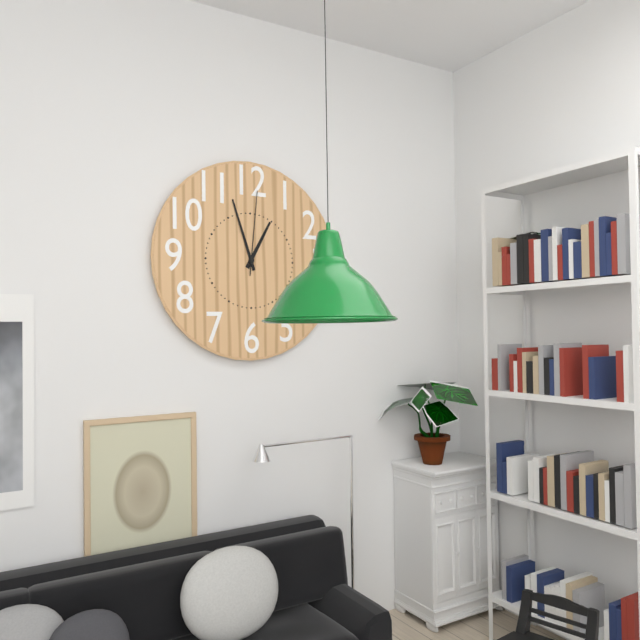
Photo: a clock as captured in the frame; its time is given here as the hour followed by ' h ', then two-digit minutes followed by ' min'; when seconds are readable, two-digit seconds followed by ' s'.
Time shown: 12 h 57 min 01 s
